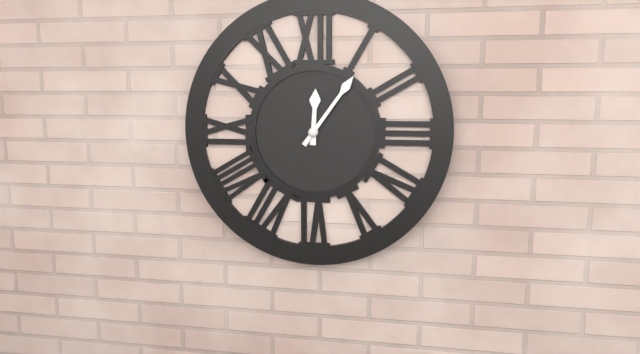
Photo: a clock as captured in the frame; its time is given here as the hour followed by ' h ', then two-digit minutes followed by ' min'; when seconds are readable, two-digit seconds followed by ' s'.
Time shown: 12 h 06 min
